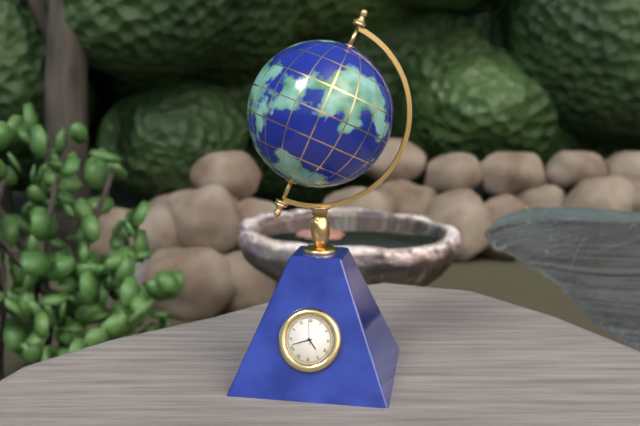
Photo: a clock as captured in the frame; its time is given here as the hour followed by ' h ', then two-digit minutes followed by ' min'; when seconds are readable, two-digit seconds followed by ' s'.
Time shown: 4 h 42 min
